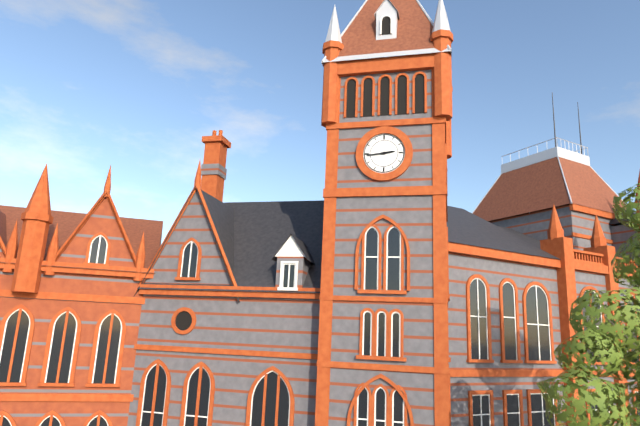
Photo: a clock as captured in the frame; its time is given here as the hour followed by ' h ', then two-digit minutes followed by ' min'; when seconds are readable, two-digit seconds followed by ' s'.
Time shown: 2 h 44 min
